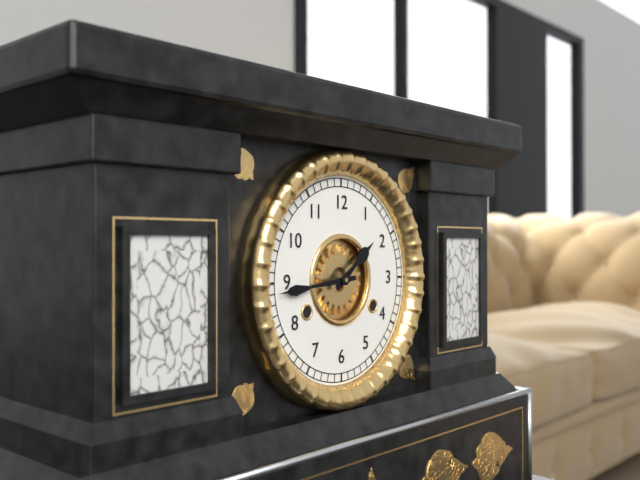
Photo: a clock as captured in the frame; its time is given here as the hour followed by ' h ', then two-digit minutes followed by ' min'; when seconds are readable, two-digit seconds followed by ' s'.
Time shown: 1 h 44 min
